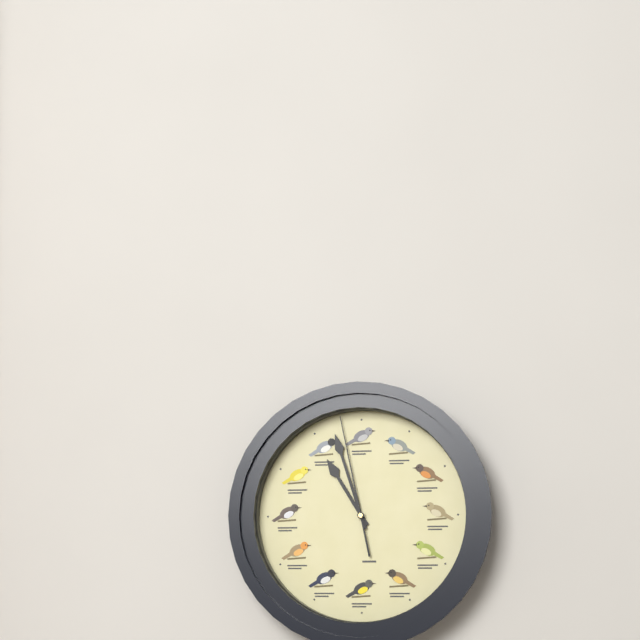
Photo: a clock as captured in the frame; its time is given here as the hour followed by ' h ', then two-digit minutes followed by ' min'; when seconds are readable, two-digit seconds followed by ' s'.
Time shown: 10 h 57 min 58 s
